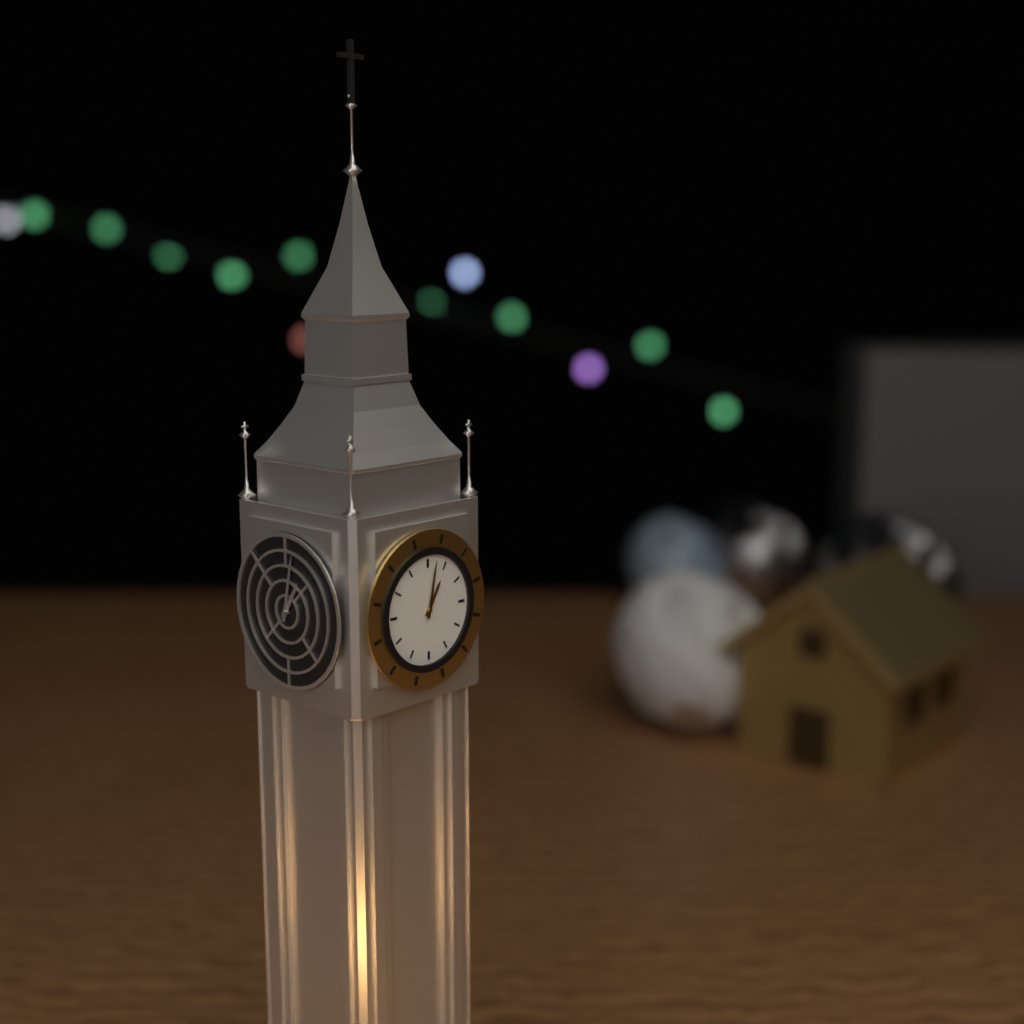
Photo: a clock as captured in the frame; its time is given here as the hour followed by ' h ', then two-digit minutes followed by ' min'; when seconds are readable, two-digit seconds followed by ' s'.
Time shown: 1 h 02 min
